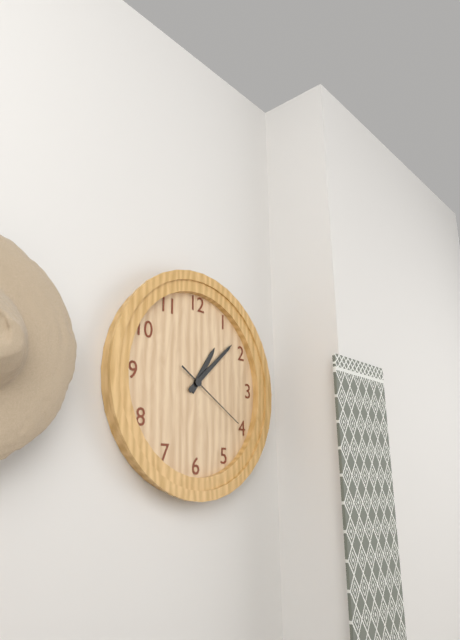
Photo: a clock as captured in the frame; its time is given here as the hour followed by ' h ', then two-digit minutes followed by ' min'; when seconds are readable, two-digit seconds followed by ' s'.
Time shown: 1 h 08 min 20 s
